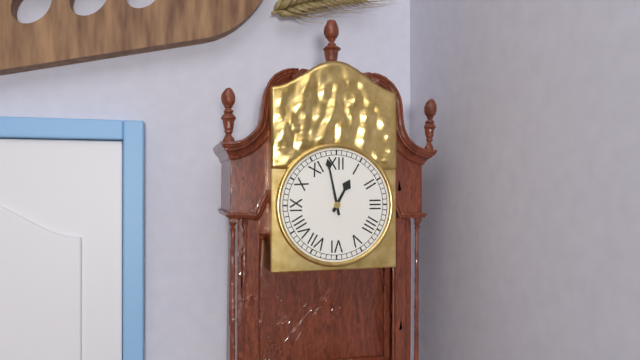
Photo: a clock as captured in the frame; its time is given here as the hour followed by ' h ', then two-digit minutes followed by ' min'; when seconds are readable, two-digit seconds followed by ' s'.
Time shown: 12 h 58 min
